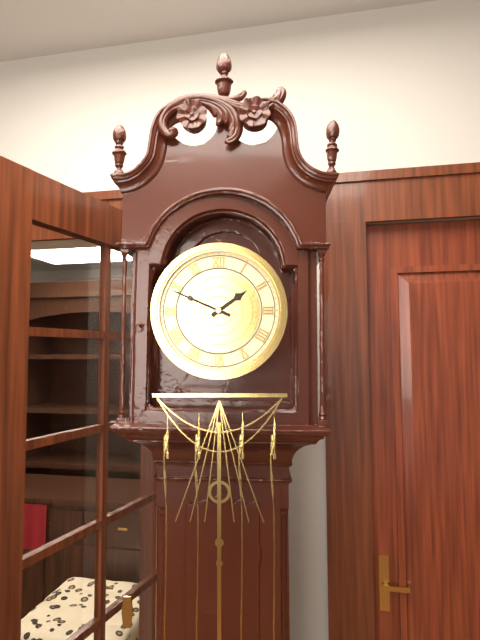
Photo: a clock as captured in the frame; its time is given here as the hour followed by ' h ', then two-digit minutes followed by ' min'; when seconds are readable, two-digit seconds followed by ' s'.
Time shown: 1 h 49 min
